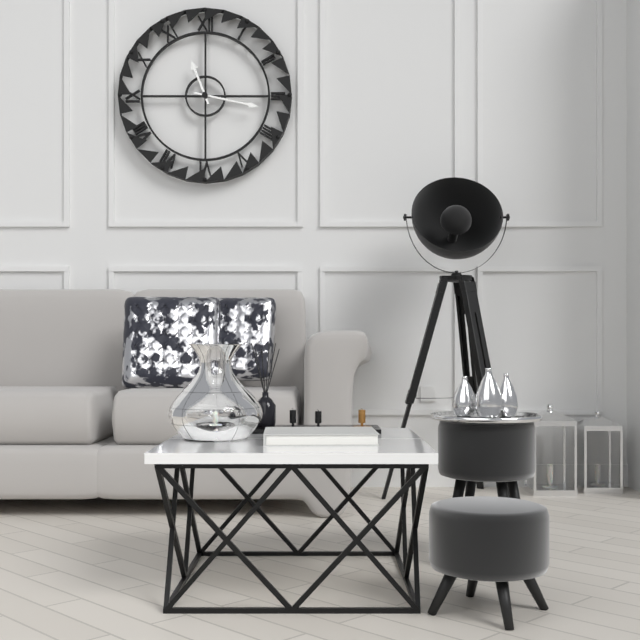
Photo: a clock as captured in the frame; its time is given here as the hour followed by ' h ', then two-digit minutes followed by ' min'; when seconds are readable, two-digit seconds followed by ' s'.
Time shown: 11 h 17 min
